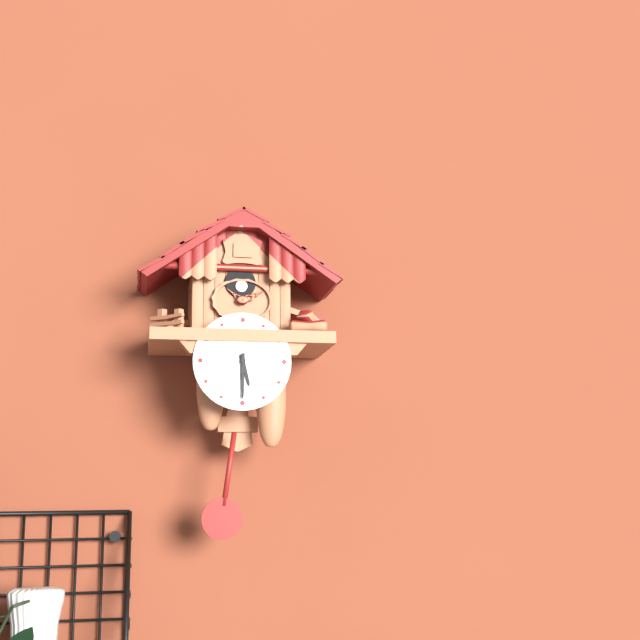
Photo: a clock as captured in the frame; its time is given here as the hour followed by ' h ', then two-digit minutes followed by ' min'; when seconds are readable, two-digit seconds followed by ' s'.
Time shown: 5 h 30 min
